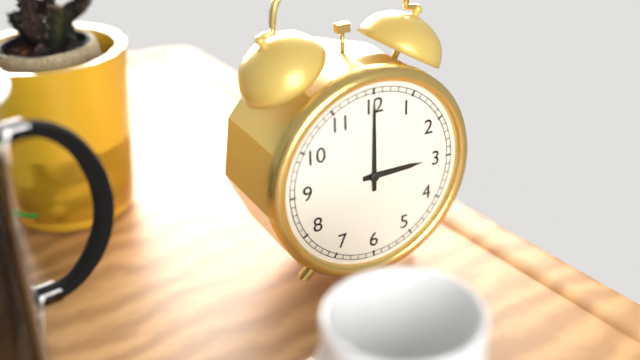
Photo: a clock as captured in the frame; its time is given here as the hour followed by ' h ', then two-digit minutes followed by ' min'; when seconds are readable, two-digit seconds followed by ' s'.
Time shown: 3 h 00 min
